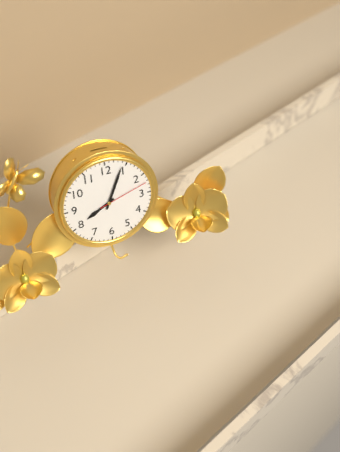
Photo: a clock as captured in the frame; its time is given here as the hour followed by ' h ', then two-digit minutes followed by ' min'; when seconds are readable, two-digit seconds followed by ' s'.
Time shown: 8 h 04 min 12 s
